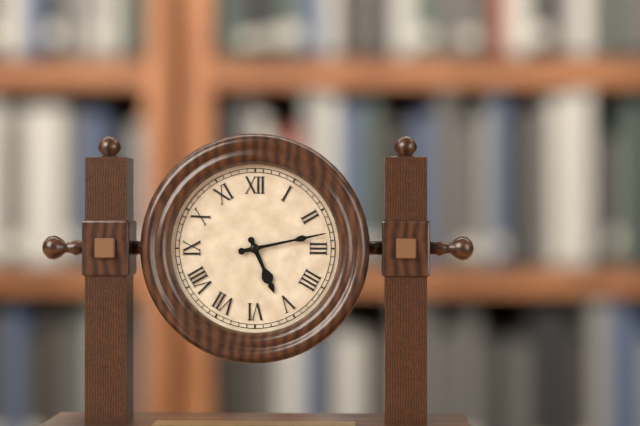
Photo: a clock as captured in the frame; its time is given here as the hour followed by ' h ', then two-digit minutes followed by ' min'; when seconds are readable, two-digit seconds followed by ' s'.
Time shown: 5 h 13 min
